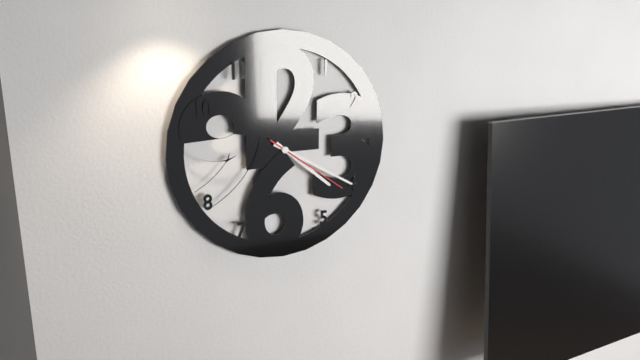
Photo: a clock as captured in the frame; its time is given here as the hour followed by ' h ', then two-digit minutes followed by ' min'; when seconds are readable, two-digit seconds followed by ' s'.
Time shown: 4 h 20 min 21 s
